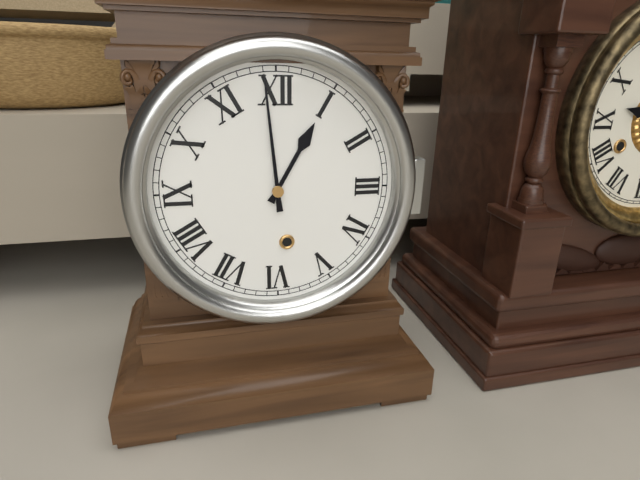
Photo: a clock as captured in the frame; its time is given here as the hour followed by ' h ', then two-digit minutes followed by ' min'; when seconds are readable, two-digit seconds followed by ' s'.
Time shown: 12 h 59 min
